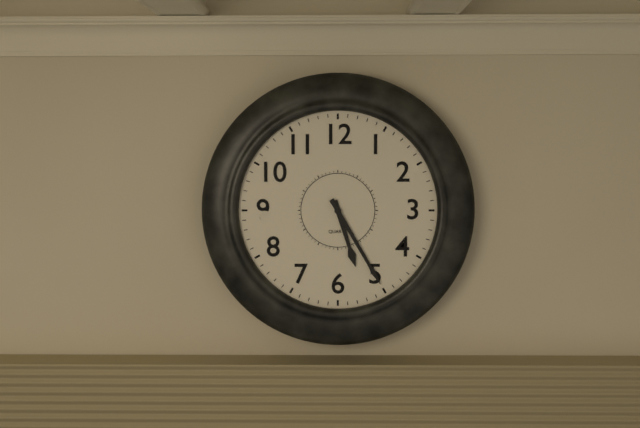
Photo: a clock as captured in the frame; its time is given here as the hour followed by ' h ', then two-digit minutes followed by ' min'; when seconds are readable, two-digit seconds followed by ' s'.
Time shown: 5 h 25 min
